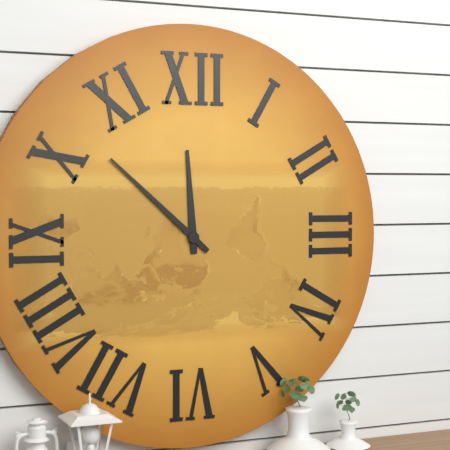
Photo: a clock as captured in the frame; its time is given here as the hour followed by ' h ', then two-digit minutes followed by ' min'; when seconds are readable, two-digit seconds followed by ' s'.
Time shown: 11 h 52 min
